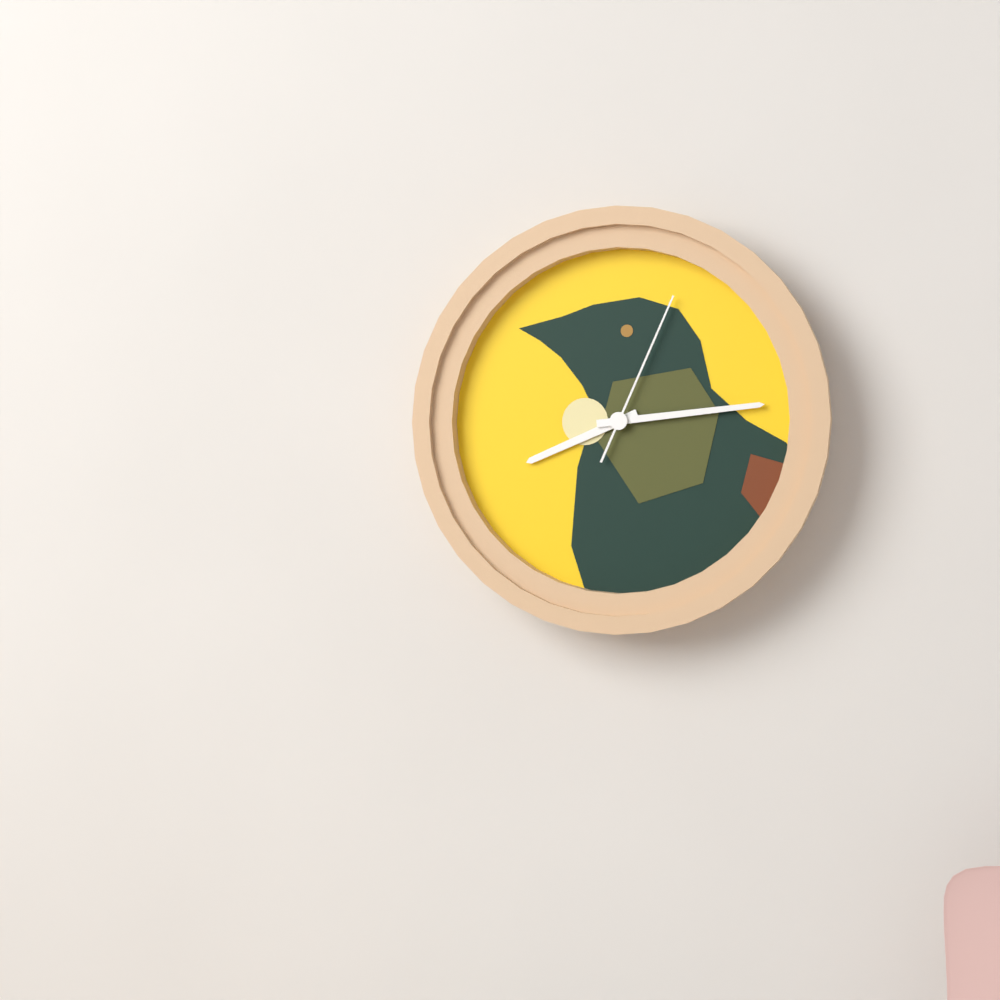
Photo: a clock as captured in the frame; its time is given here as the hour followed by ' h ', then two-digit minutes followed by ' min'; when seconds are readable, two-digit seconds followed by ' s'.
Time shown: 8 h 14 min 04 s
